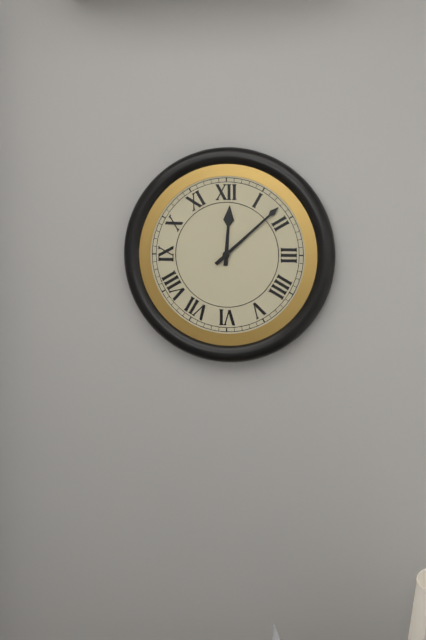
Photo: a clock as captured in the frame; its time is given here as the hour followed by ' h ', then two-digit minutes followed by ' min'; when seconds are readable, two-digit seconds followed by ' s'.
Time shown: 12 h 08 min
